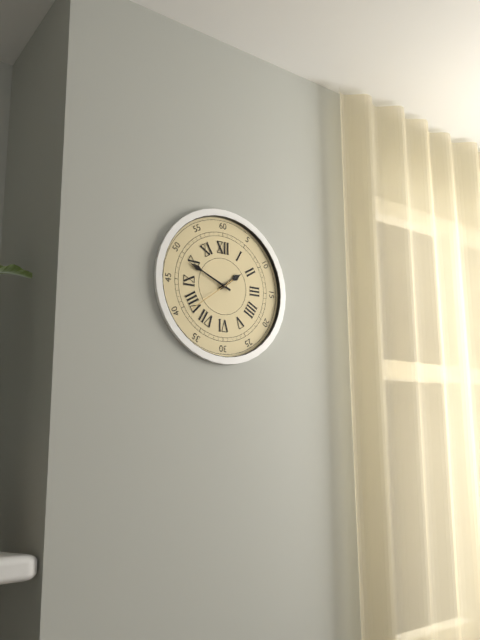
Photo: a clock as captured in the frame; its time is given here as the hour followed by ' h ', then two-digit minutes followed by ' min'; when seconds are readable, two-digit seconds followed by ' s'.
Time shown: 1 h 49 min 39 s
